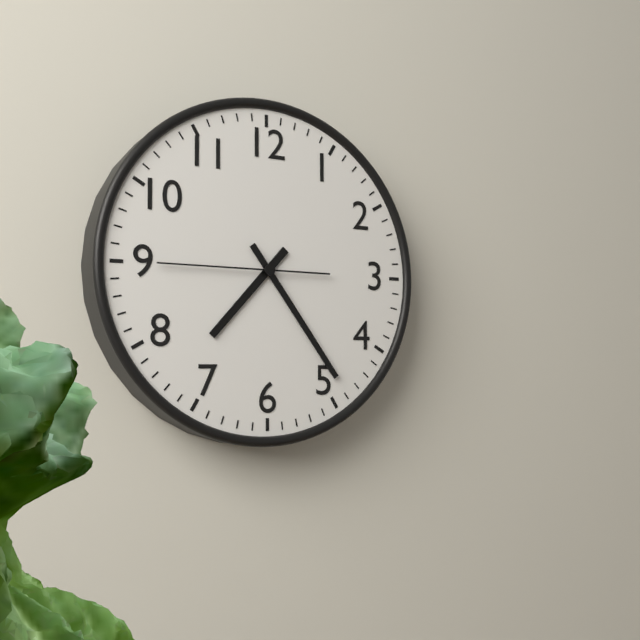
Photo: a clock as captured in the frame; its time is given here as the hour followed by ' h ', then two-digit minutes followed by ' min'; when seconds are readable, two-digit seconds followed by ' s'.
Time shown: 7 h 24 min 45 s
